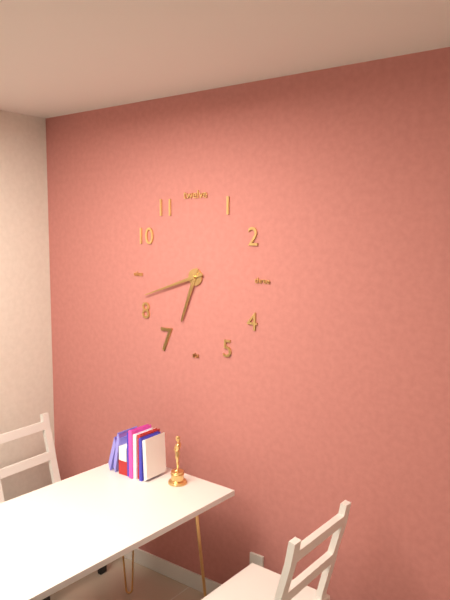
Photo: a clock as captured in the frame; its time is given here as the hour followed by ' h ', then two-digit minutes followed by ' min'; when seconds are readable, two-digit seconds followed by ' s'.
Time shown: 6 h 42 min
